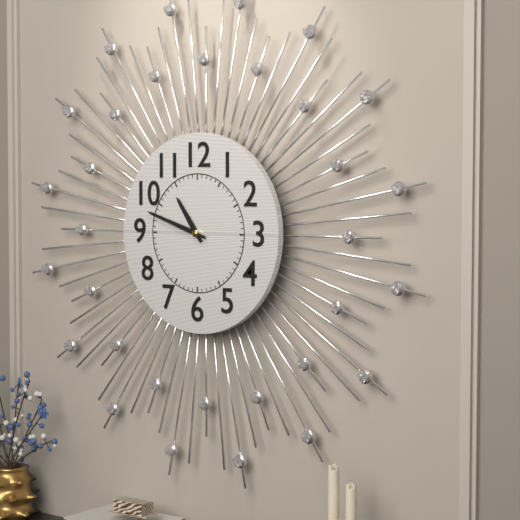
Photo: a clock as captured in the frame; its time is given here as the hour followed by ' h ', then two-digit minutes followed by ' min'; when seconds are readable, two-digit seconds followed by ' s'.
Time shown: 10 h 48 min
